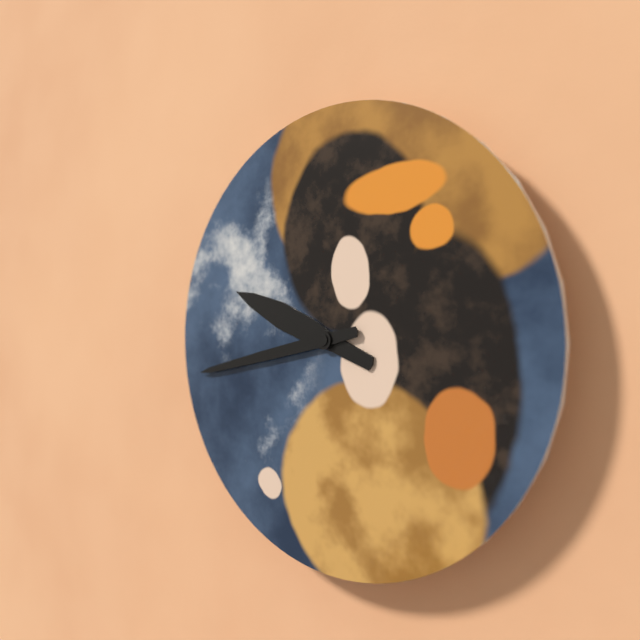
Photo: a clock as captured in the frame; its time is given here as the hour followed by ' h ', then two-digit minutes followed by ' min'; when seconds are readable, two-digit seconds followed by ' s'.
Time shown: 9 h 43 min
